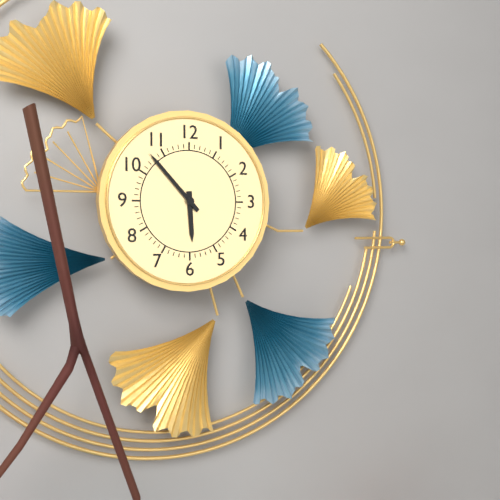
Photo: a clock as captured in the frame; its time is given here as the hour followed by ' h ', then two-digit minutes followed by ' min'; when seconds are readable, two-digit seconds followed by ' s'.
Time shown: 5 h 53 min
